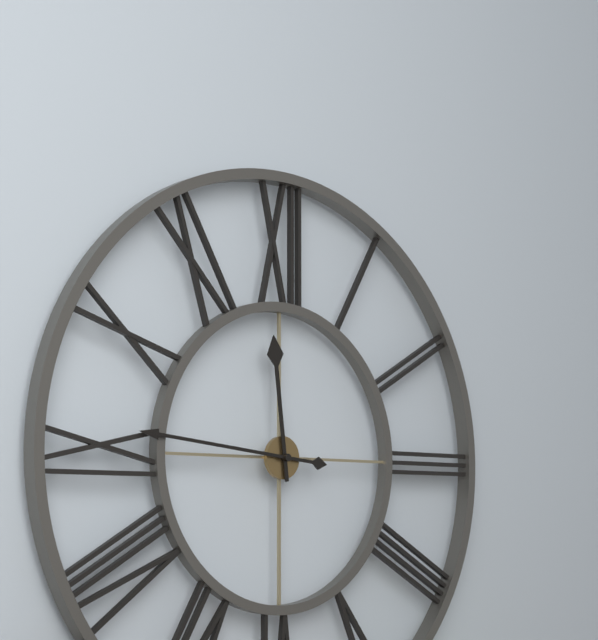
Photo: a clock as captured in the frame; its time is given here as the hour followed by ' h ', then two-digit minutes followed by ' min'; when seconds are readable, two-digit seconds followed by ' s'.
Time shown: 11 h 46 min
